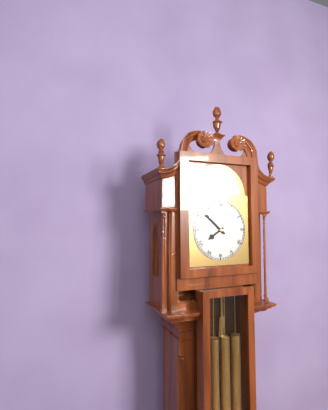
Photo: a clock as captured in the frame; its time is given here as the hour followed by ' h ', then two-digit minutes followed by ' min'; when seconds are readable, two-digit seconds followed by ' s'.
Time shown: 7 h 52 min
